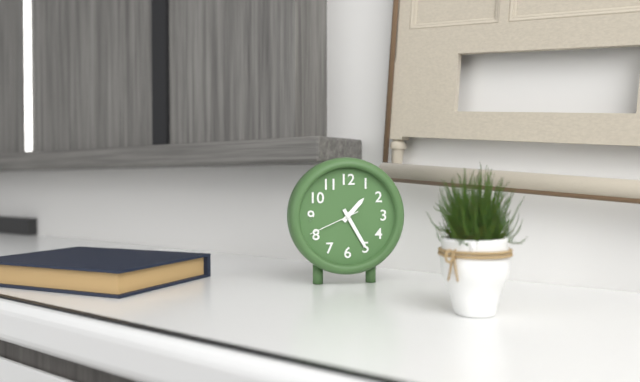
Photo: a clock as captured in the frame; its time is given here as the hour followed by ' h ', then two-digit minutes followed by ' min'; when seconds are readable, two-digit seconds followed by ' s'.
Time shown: 1 h 25 min 41 s
